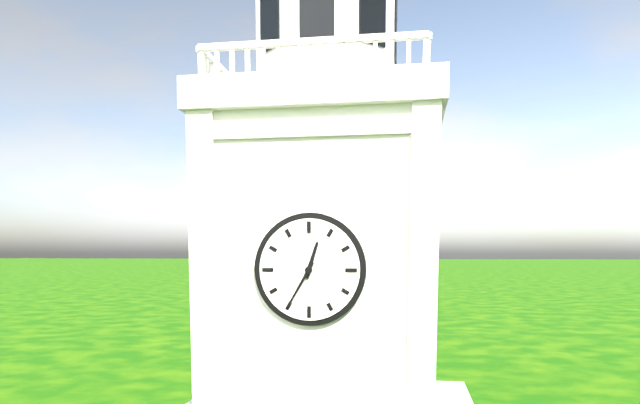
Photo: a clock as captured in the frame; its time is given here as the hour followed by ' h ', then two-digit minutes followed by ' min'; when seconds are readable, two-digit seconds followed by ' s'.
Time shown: 12 h 35 min
